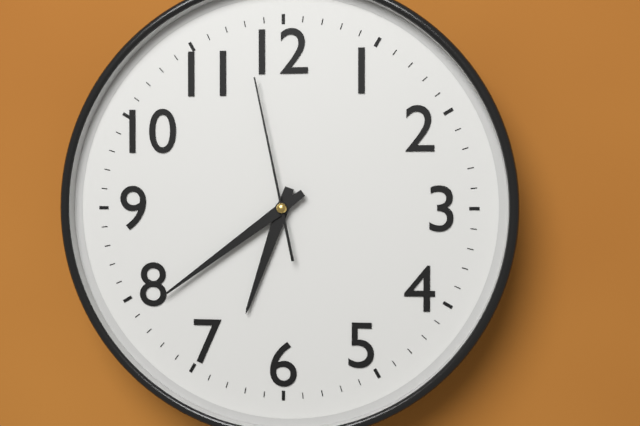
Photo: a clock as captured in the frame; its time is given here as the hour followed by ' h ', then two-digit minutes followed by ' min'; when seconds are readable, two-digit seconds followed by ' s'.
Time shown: 6 h 39 min 58 s
